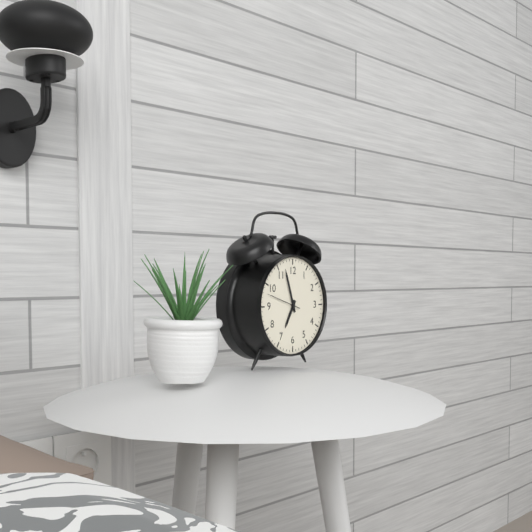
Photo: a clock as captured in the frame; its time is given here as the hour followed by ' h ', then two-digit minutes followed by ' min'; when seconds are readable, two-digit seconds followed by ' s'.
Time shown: 6 h 57 min
